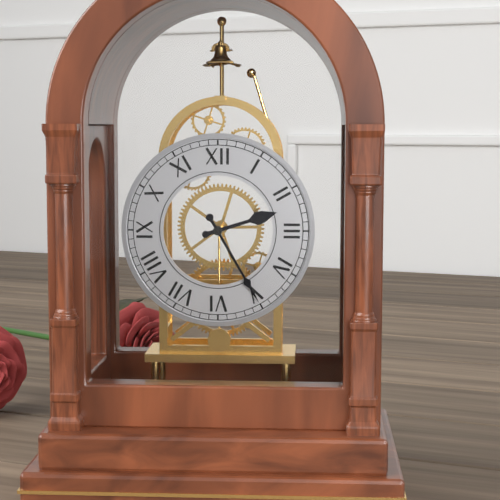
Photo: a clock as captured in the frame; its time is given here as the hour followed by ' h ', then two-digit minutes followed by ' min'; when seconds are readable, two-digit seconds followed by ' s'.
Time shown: 2 h 25 min
